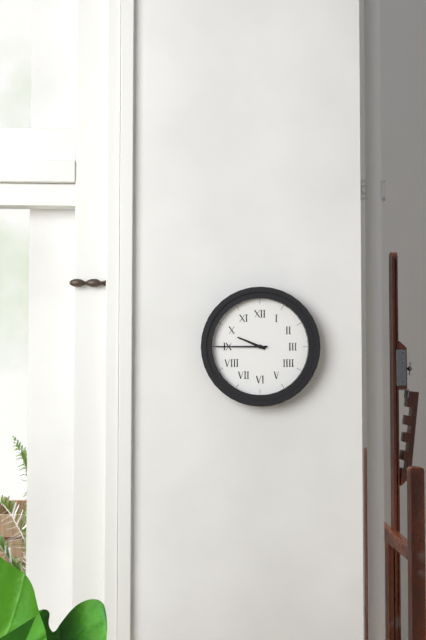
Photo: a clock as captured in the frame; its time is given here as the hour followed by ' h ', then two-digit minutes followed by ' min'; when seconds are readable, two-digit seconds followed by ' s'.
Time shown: 9 h 45 min
